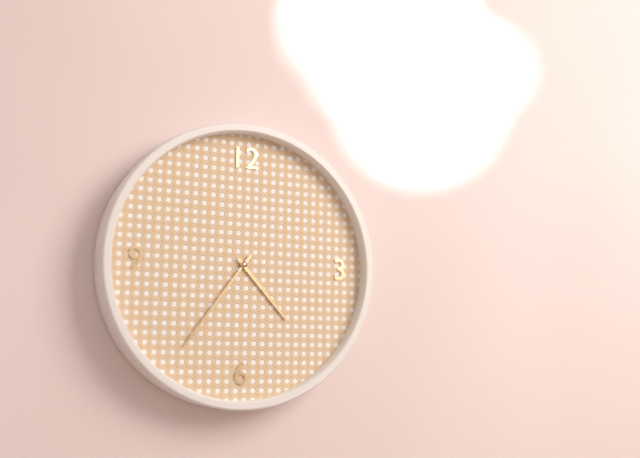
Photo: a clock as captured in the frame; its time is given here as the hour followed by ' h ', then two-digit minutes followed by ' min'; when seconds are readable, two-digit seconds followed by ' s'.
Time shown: 4 h 36 min
